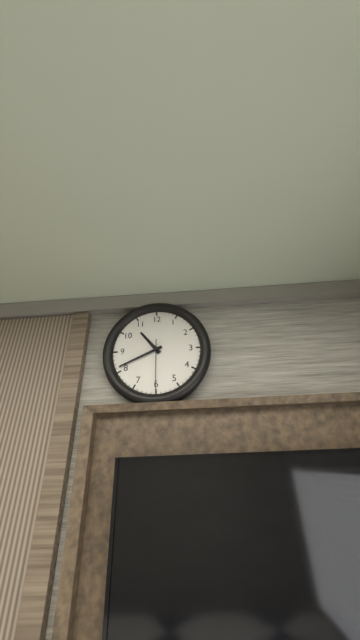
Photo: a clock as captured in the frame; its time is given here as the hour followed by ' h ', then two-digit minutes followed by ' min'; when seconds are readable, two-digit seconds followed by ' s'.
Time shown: 10 h 41 min 30 s
